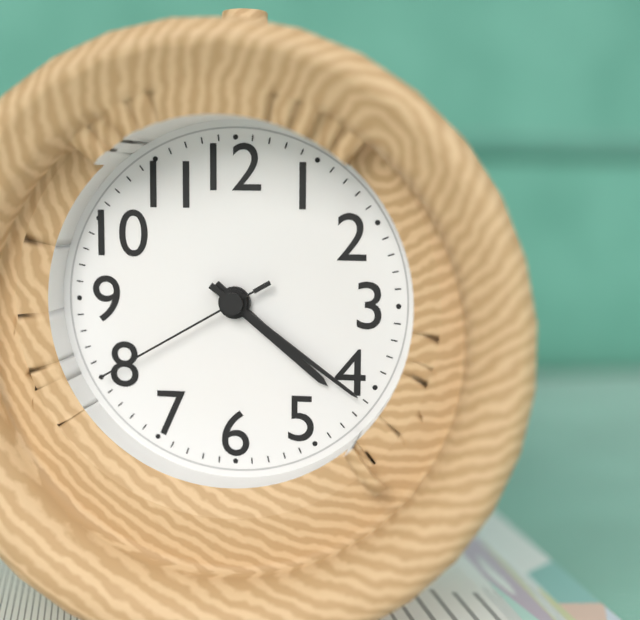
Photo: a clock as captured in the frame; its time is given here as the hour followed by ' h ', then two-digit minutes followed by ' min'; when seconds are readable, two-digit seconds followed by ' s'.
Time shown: 4 h 21 min 40 s
